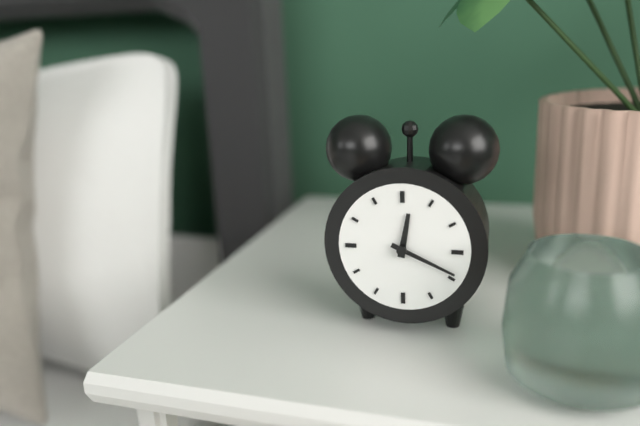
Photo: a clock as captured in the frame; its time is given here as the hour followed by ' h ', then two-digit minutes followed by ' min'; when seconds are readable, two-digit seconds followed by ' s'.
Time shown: 12 h 19 min
